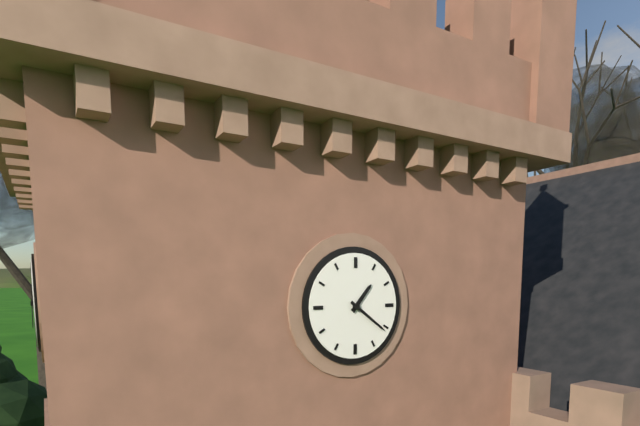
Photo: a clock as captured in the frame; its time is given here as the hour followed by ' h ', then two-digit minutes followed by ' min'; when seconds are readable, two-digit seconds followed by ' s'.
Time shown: 1 h 21 min
